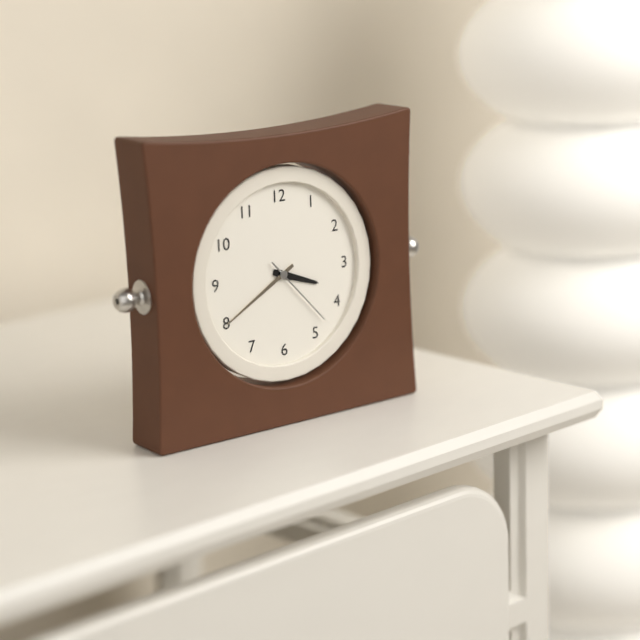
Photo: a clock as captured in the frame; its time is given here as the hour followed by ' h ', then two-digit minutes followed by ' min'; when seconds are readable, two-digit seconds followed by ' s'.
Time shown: 3 h 40 min 23 s
